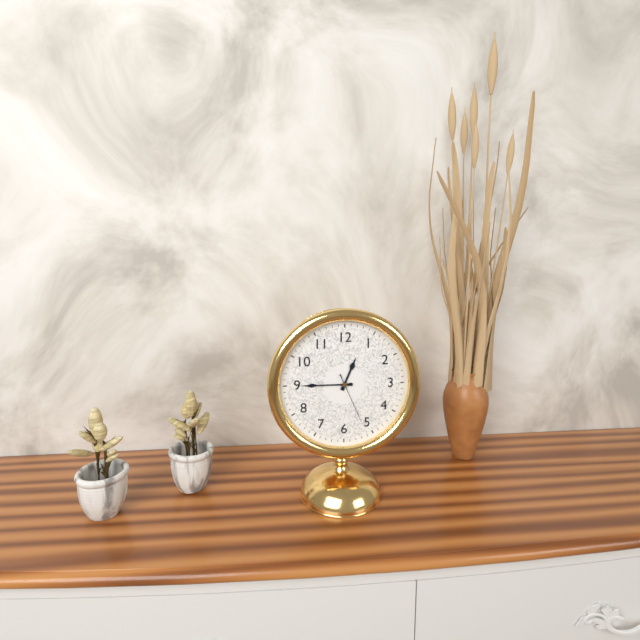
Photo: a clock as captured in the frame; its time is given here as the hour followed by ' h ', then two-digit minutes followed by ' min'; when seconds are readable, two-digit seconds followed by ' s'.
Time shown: 12 h 45 min 26 s
